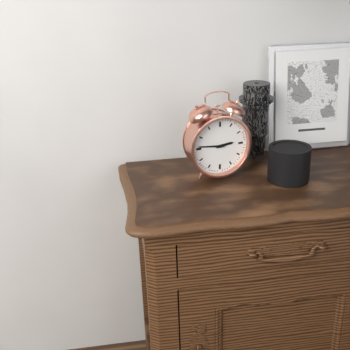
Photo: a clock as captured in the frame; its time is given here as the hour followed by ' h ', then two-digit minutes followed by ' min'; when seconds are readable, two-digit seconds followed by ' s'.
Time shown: 2 h 46 min
